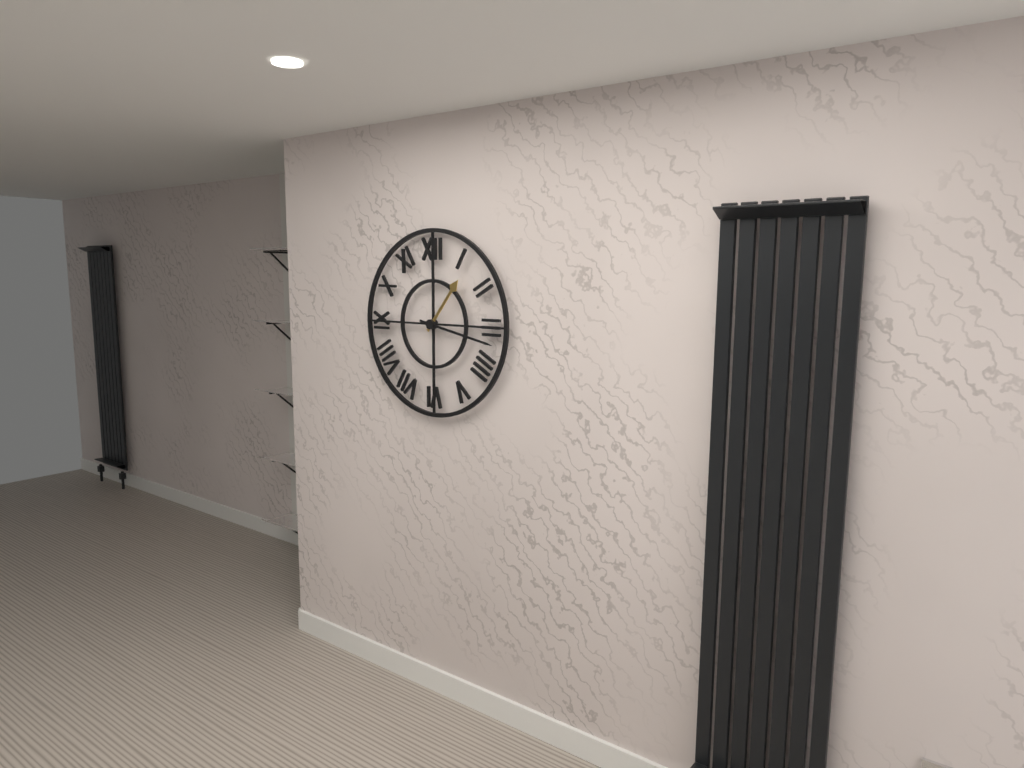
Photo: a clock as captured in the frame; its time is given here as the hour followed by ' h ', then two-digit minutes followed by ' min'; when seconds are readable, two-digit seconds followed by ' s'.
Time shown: 1 h 17 min
